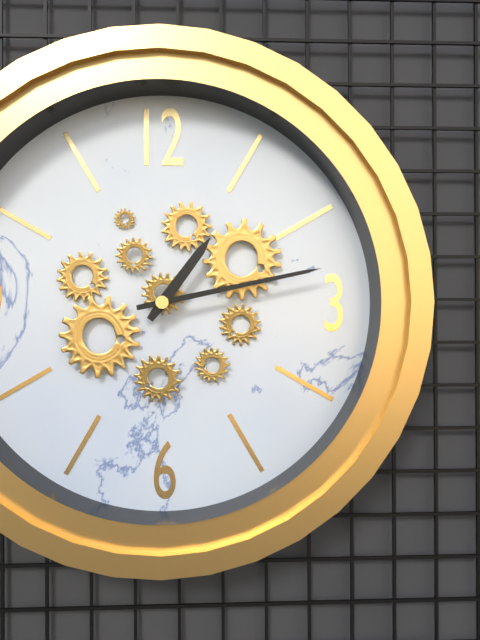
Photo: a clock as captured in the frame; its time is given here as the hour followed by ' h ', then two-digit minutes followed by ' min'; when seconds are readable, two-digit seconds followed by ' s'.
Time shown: 1 h 13 min
